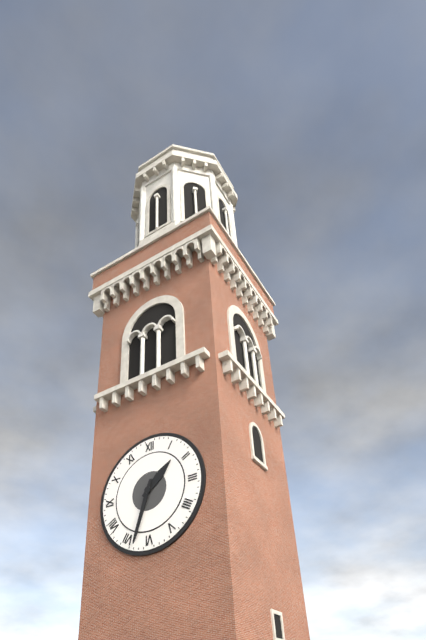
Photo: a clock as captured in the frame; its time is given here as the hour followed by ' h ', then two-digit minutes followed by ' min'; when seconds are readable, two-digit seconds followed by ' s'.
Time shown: 1 h 33 min
